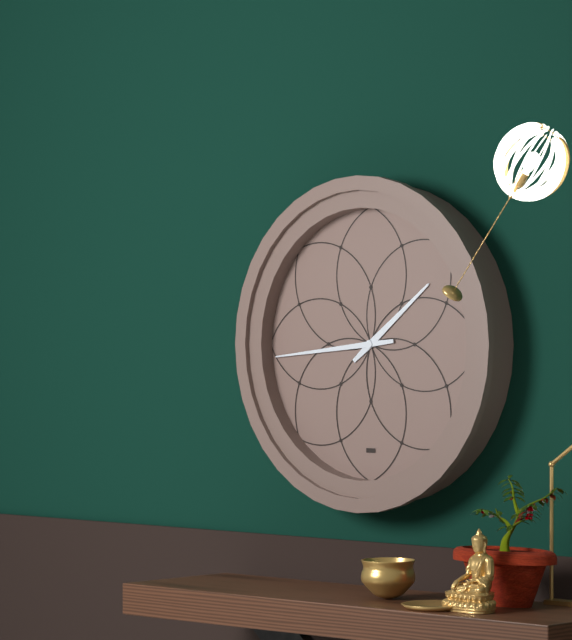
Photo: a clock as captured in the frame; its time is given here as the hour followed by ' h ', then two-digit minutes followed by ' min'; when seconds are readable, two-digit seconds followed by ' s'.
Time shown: 1 h 44 min
